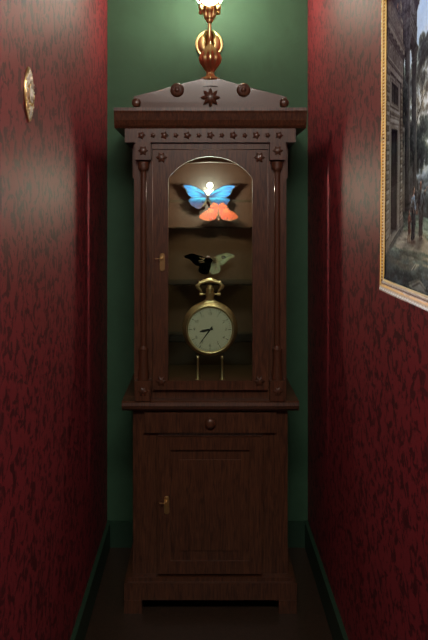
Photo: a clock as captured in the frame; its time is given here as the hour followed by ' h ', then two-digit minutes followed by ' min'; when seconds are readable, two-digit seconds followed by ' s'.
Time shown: 8 h 36 min
